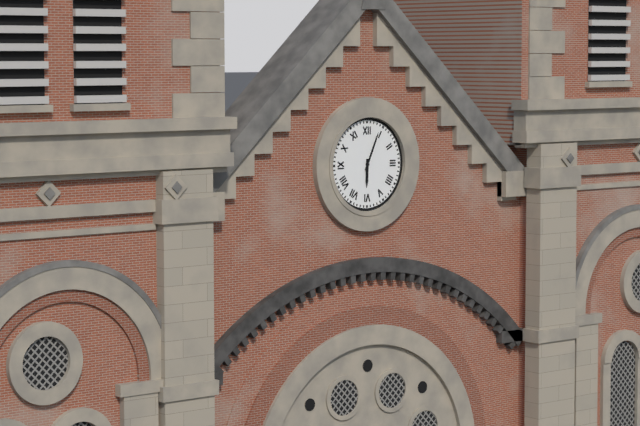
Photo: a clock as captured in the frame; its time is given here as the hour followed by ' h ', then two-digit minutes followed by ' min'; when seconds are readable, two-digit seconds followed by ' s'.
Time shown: 6 h 04 min
